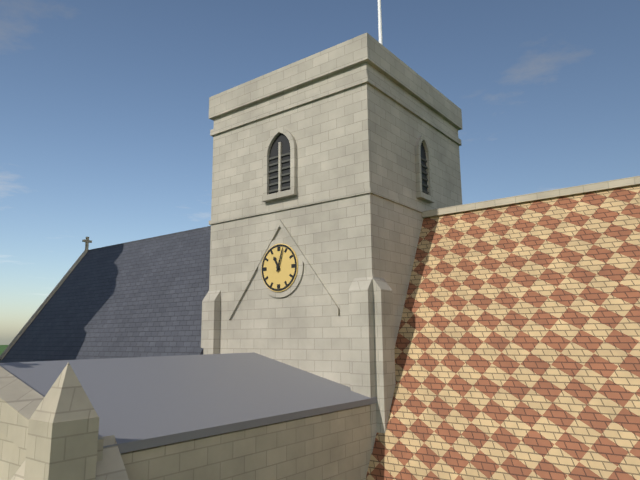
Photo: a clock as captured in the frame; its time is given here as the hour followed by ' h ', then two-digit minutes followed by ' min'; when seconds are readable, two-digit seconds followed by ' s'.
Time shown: 11 h 03 min
